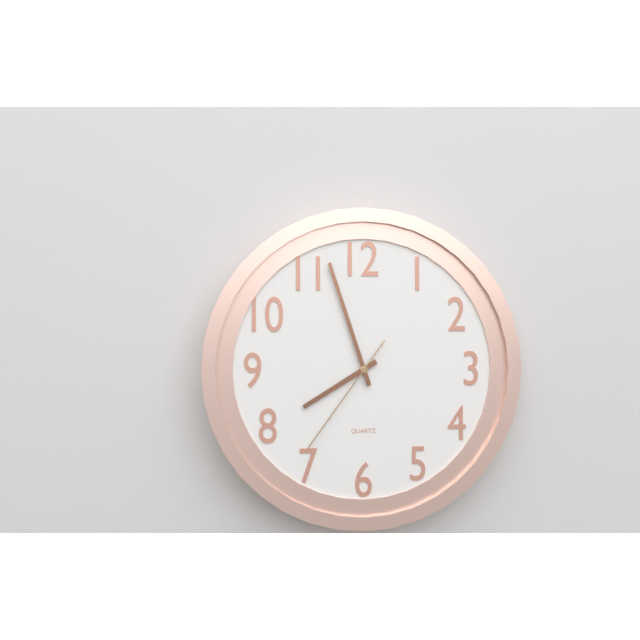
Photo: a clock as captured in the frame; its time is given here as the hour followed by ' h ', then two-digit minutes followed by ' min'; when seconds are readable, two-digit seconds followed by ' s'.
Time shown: 7 h 57 min 36 s
